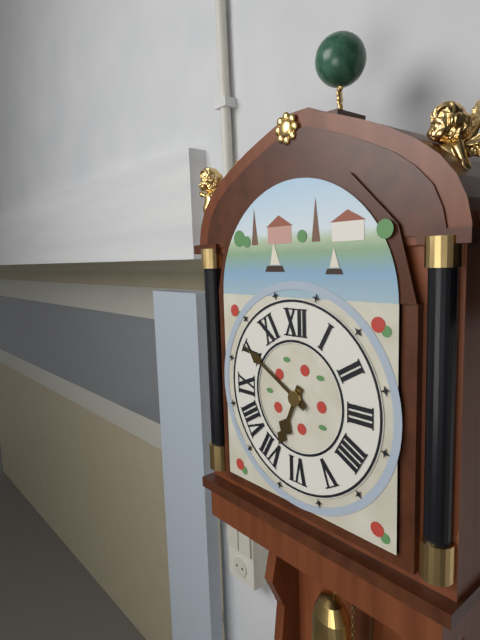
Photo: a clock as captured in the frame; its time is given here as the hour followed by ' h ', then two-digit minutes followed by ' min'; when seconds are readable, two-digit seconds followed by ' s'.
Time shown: 6 h 50 min
